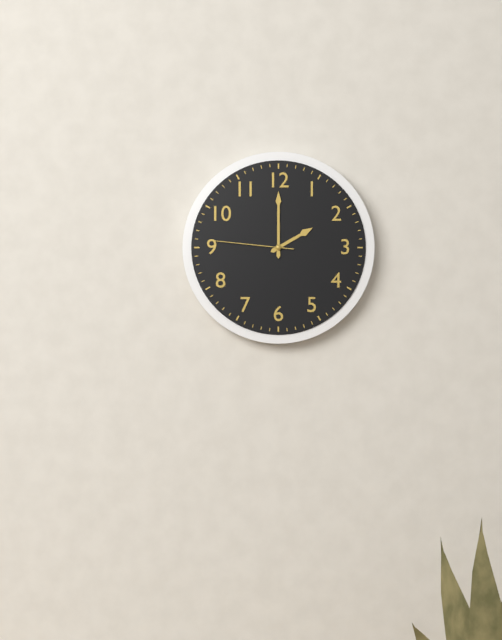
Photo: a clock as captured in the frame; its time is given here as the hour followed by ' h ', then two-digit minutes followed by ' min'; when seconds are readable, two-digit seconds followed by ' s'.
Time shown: 2 h 00 min 46 s
